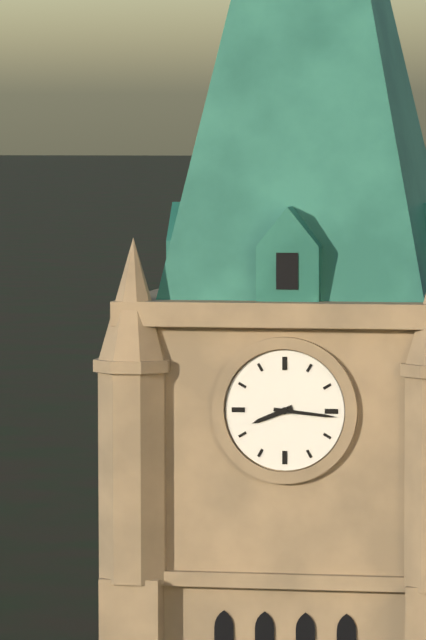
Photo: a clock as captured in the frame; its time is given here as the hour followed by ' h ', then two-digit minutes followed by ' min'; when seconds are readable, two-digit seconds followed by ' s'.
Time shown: 8 h 16 min
